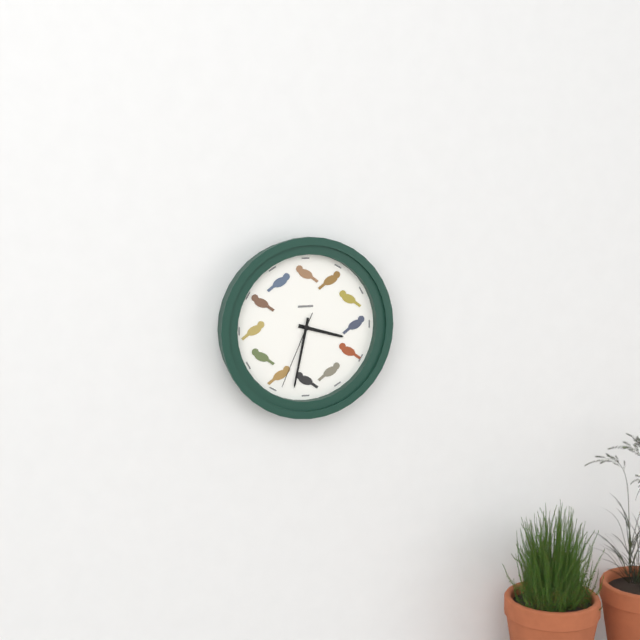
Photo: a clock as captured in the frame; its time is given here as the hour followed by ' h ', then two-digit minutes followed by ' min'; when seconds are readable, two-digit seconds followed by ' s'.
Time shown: 3 h 32 min 34 s
